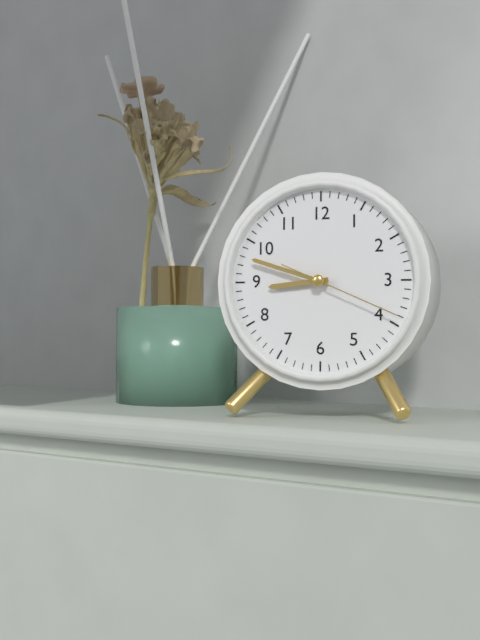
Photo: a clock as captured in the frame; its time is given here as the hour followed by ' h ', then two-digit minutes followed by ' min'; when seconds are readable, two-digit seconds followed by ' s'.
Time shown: 8 h 48 min 19 s
